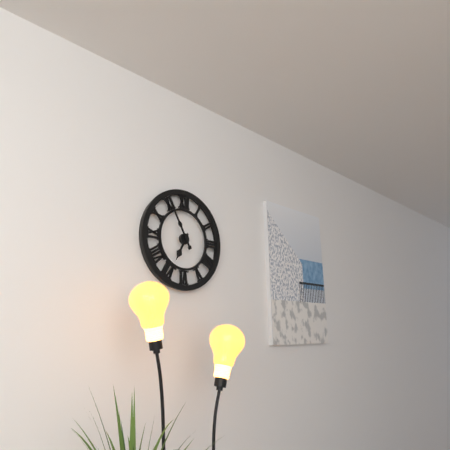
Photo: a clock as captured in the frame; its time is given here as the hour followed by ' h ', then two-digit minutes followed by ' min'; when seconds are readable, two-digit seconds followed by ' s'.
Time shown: 6 h 55 min
